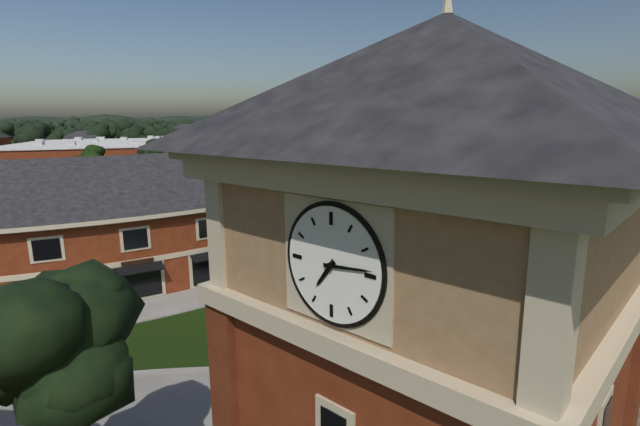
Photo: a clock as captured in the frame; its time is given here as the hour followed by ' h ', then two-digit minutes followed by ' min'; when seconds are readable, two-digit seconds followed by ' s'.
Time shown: 7 h 14 min
